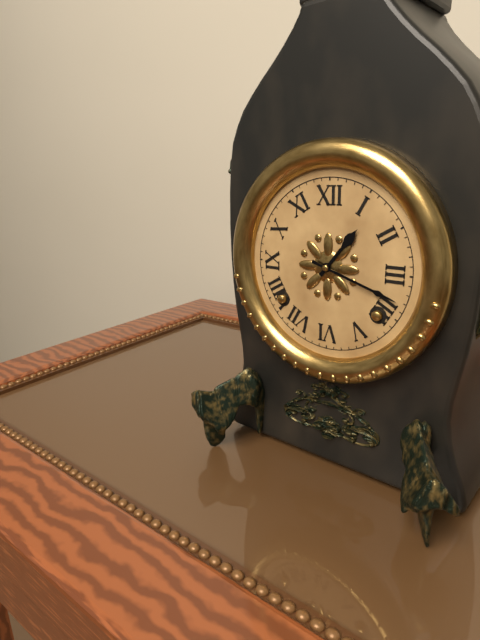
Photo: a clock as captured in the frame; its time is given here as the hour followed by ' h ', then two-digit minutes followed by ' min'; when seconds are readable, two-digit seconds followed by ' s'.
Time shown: 1 h 18 min
